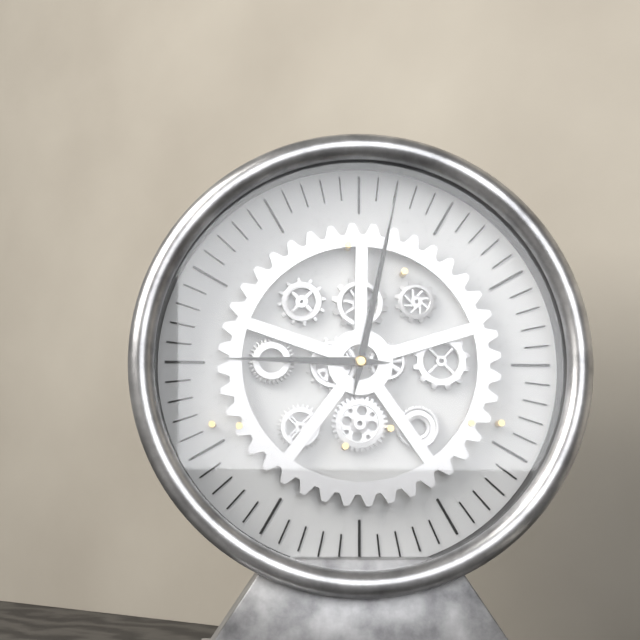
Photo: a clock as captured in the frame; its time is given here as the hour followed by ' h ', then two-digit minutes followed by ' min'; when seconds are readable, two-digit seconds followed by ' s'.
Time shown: 9 h 02 min
